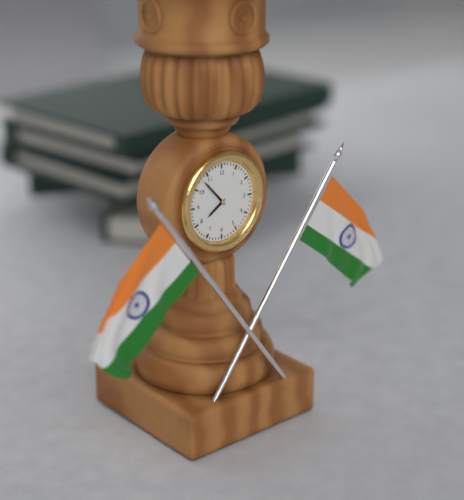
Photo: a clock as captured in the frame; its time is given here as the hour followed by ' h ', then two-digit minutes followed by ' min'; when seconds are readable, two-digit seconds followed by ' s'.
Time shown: 7 h 53 min
